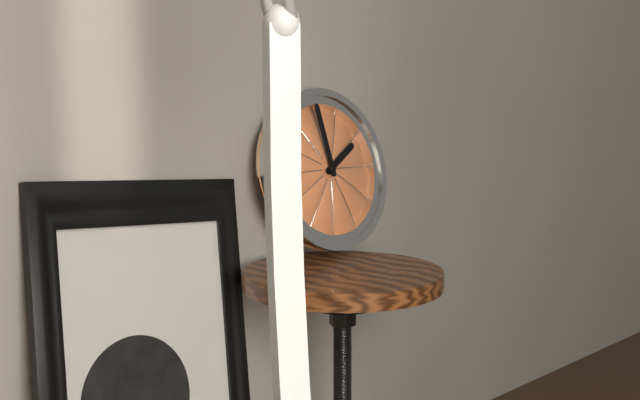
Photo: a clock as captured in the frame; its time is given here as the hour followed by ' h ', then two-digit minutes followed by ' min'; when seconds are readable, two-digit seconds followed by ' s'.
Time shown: 1 h 59 min
